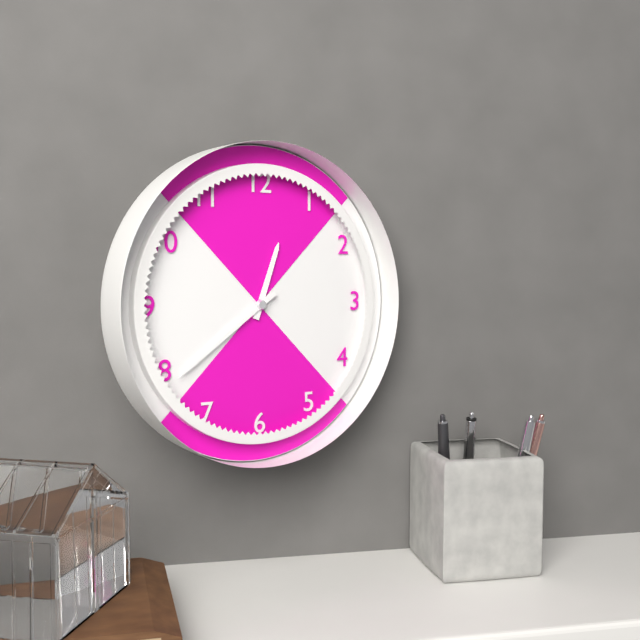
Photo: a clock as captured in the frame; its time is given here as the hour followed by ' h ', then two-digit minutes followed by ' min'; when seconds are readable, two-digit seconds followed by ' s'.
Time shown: 12 h 39 min
